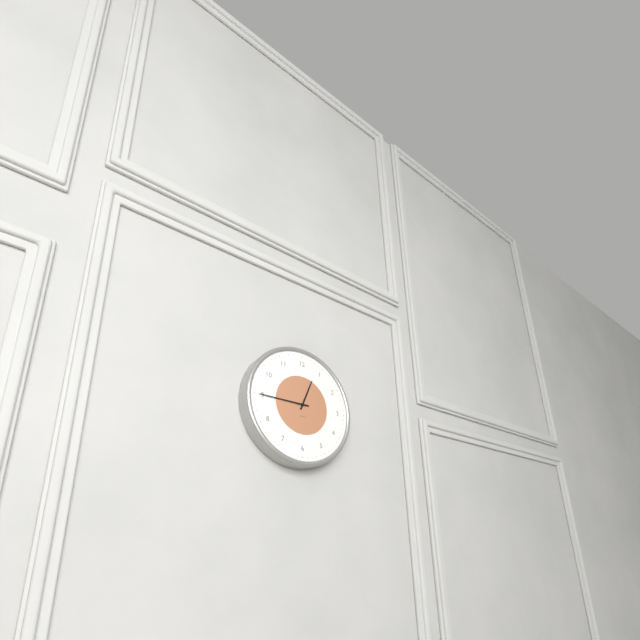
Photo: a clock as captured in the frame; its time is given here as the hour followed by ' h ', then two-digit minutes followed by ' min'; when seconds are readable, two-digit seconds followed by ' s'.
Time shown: 12 h 45 min
